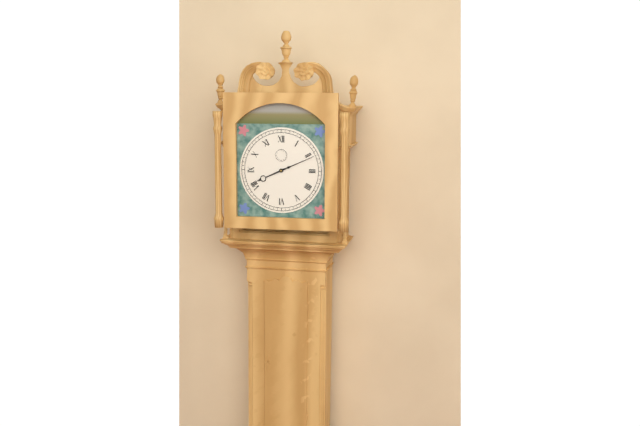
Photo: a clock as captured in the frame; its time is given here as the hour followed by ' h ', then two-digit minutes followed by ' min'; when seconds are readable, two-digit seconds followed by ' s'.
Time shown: 8 h 11 min
